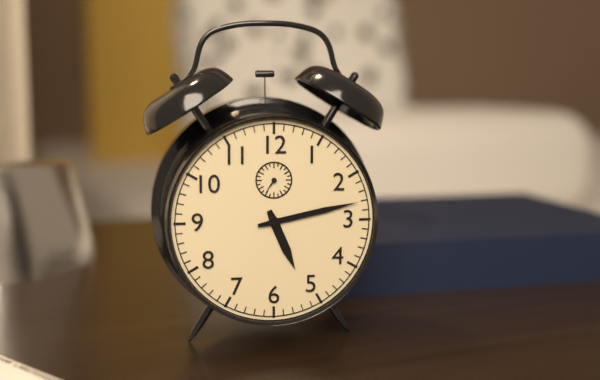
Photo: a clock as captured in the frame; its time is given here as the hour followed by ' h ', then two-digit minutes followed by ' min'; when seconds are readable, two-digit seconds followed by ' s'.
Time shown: 5 h 13 min
